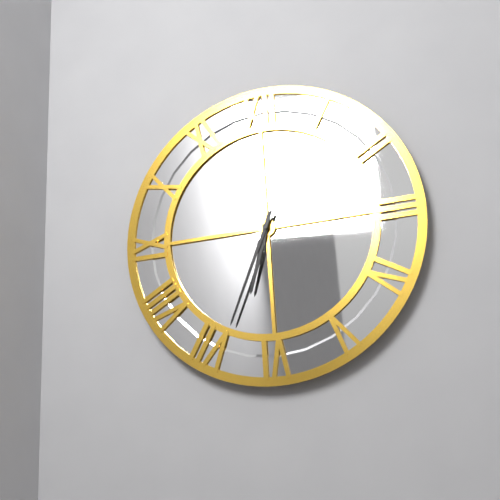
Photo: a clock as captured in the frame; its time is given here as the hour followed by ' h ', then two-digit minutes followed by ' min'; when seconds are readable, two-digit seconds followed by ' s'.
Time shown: 6 h 34 min
